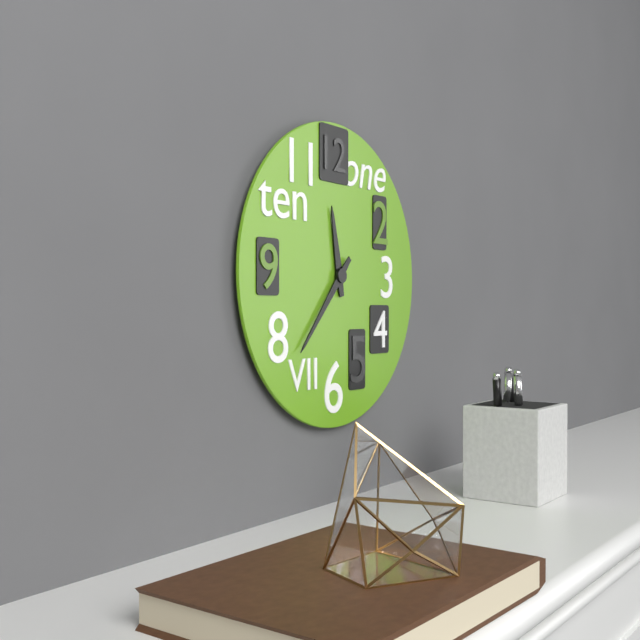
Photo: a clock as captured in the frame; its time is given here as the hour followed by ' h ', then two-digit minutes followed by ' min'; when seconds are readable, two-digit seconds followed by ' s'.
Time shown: 11 h 37 min
